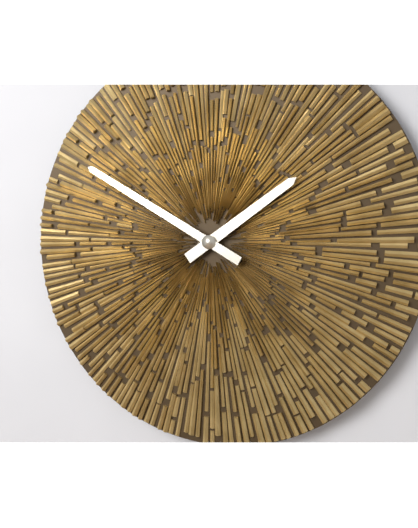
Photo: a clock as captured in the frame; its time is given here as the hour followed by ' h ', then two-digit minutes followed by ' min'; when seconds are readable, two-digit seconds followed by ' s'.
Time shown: 1 h 50 min
